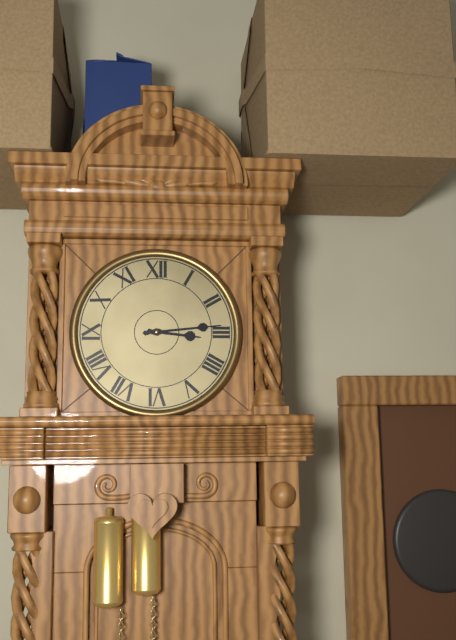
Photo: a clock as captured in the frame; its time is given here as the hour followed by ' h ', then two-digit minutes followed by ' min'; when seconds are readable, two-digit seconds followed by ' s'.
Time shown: 3 h 14 min
